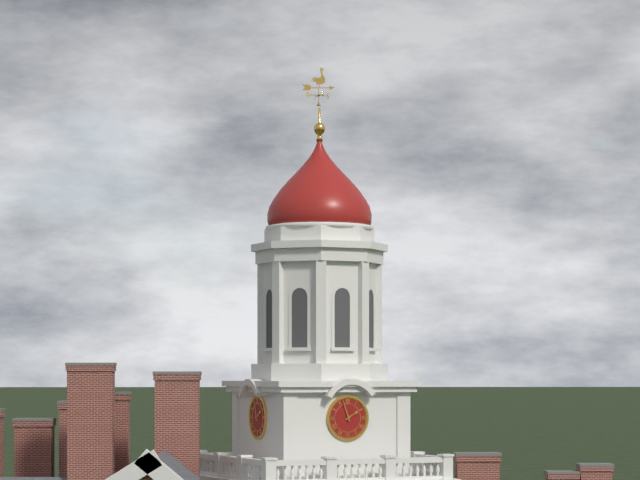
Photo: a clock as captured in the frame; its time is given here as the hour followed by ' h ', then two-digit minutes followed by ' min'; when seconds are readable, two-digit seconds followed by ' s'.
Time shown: 1 h 57 min
